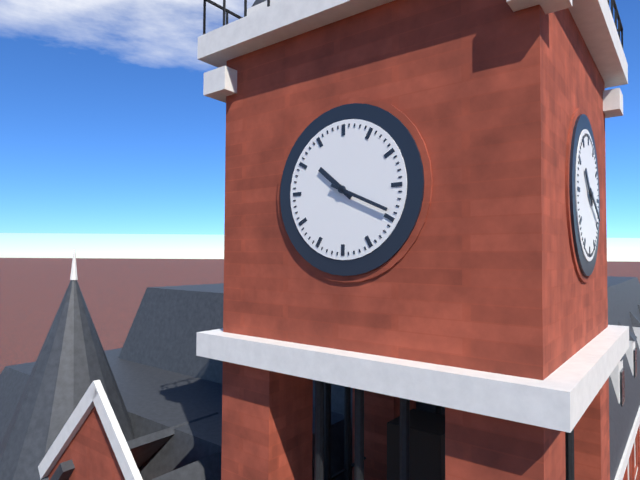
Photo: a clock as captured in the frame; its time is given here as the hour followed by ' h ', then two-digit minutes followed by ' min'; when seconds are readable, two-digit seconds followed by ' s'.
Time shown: 10 h 19 min
